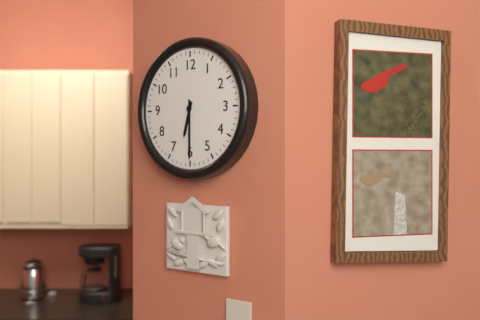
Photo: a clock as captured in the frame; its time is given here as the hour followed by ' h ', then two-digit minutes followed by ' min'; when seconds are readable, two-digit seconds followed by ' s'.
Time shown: 6 h 30 min
